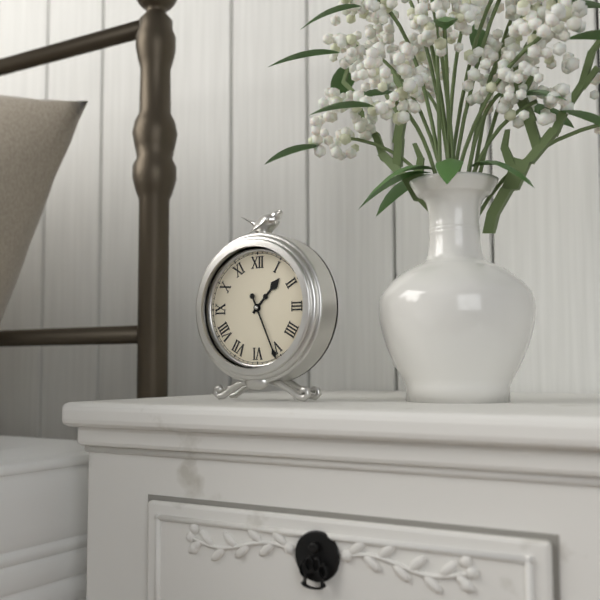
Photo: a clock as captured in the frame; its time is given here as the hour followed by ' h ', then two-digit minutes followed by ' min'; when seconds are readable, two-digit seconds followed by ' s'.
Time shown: 1 h 26 min
